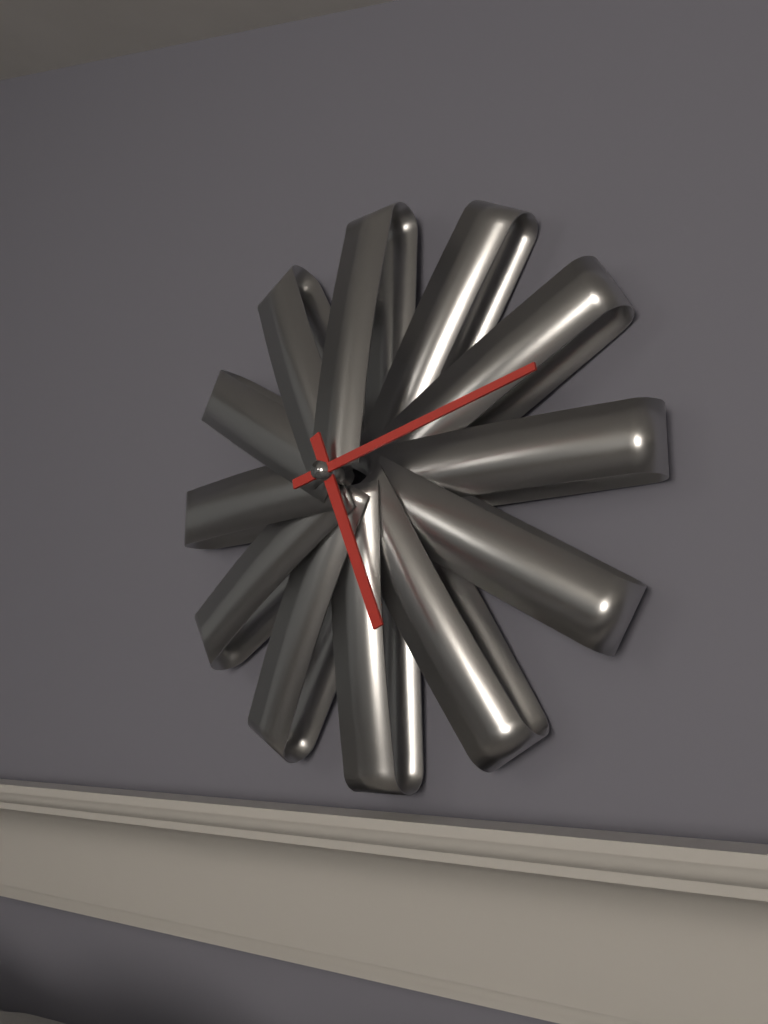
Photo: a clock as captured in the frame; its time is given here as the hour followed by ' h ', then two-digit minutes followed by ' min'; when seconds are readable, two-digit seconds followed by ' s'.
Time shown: 5 h 13 min
